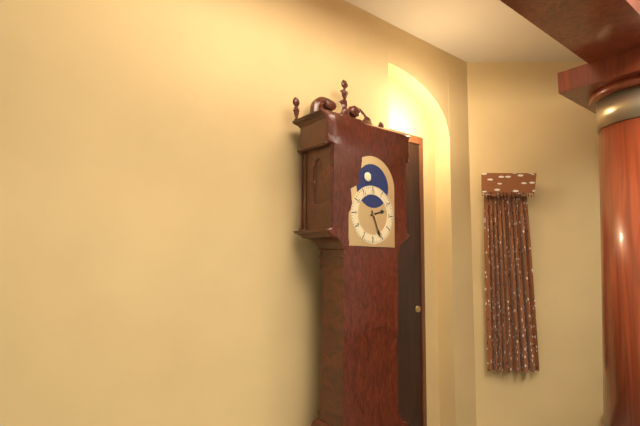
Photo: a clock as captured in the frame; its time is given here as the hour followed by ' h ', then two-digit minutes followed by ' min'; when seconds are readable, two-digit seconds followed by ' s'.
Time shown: 2 h 26 min
